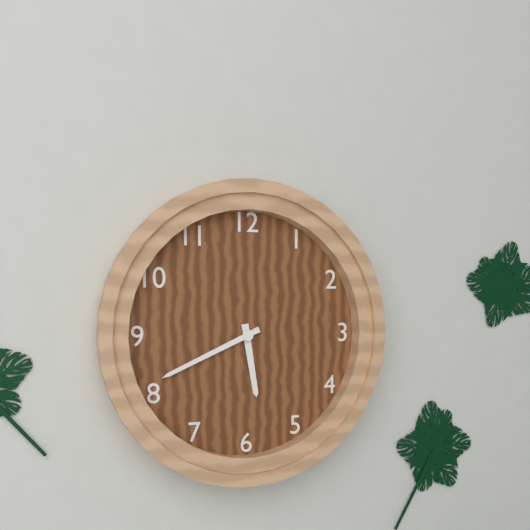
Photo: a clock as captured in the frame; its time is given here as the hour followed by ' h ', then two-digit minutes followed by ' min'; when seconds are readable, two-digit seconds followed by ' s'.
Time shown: 5 h 41 min
